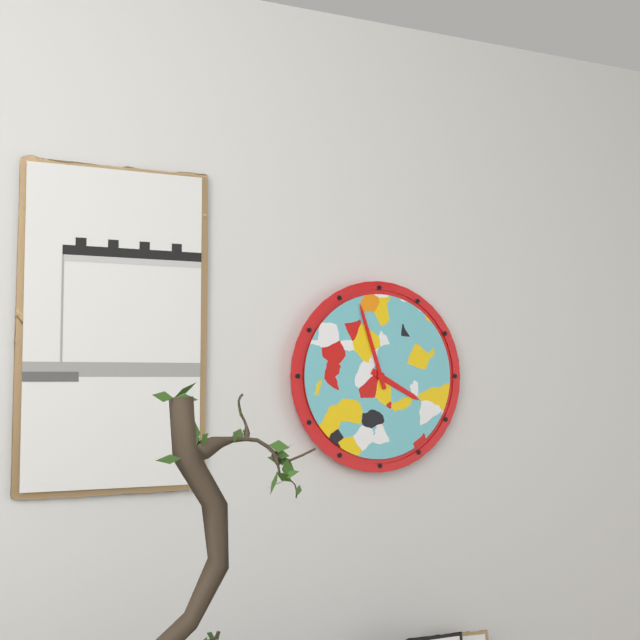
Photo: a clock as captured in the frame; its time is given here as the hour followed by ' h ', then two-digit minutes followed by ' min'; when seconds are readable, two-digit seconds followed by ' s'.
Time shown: 3 h 57 min
